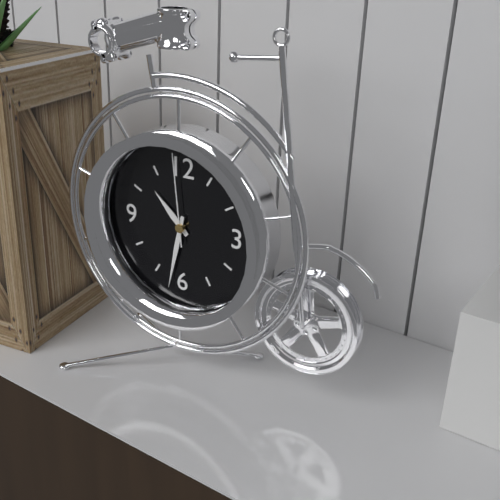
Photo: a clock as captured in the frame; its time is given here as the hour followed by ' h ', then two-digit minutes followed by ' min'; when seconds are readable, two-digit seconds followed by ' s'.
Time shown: 10 h 32 min 59 s
